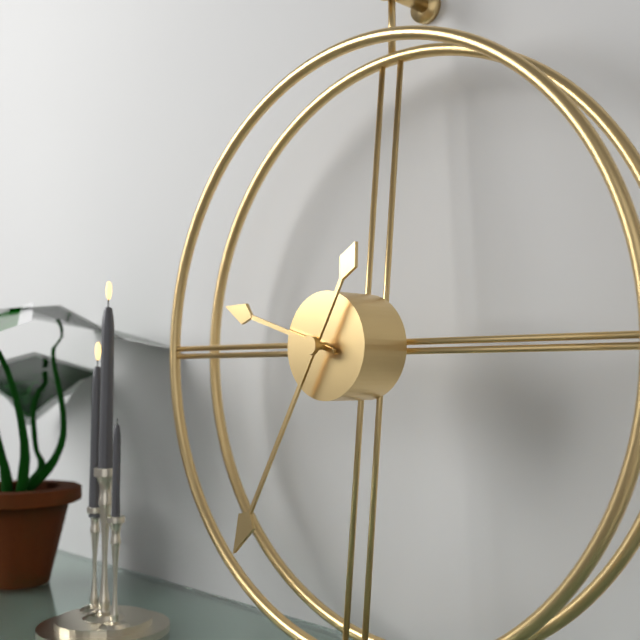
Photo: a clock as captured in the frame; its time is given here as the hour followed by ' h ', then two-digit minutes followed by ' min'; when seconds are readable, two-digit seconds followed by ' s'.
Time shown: 9 h 35 min
